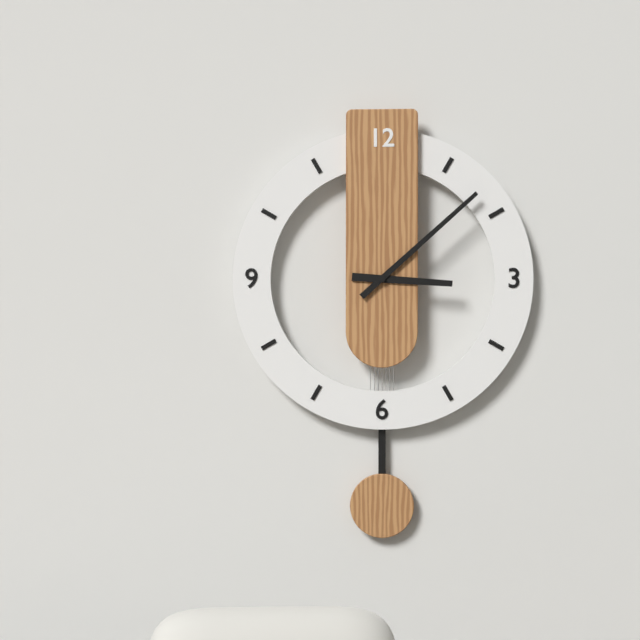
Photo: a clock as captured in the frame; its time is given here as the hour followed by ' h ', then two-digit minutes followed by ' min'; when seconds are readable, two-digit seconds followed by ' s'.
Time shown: 3 h 08 min
